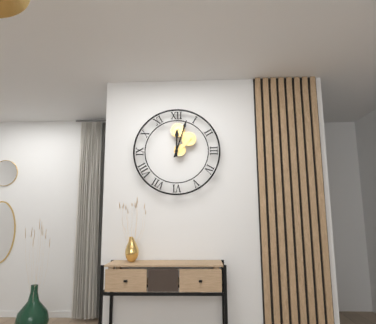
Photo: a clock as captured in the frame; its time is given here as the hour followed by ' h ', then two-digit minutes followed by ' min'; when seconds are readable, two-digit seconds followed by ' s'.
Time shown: 12 h 03 min
